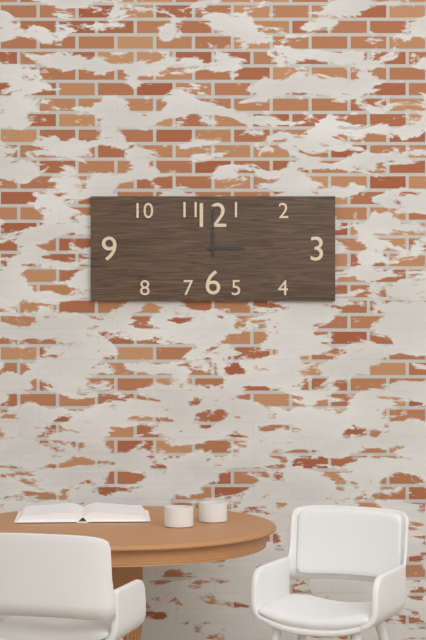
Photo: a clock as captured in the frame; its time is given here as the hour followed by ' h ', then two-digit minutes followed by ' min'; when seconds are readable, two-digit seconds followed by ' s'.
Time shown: 3 h 00 min
